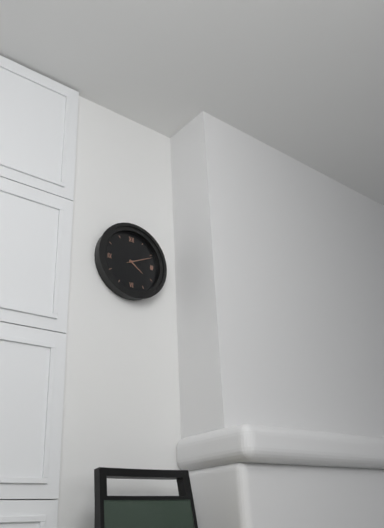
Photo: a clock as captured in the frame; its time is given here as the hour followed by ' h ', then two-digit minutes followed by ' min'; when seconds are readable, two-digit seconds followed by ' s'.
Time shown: 4 h 11 min
